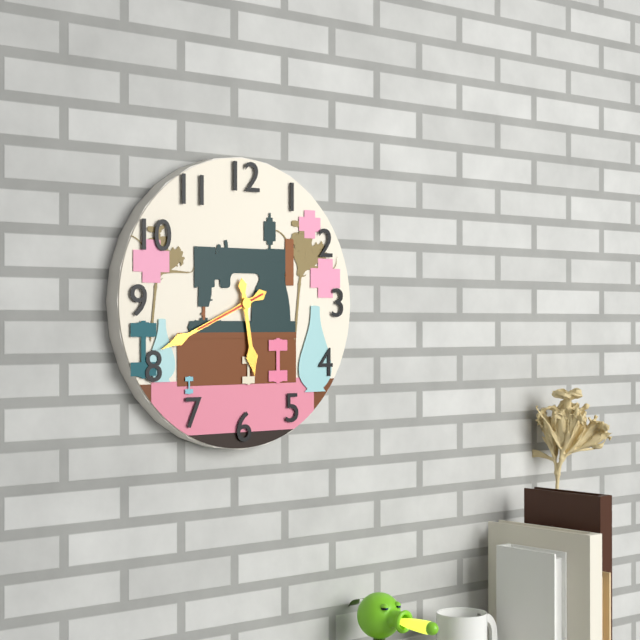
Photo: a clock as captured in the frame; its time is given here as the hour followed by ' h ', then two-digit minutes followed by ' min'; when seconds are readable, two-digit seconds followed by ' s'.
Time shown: 5 h 41 min 41 s
